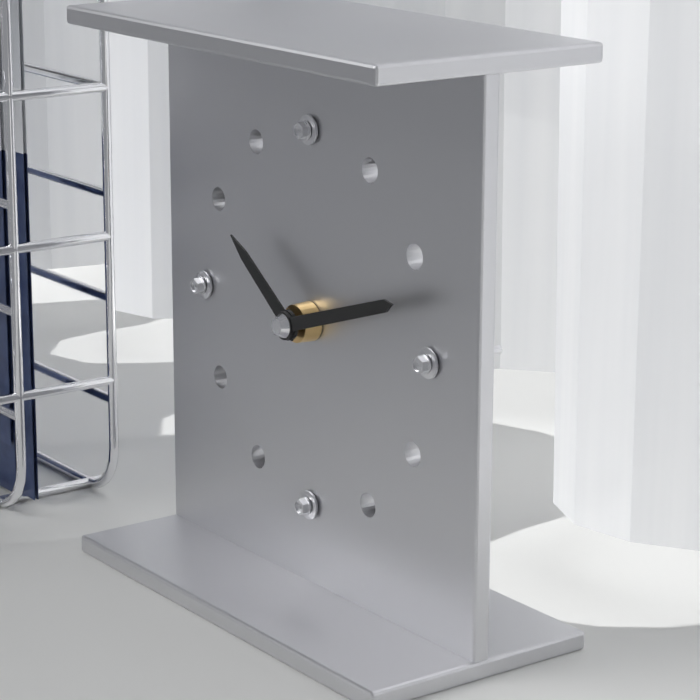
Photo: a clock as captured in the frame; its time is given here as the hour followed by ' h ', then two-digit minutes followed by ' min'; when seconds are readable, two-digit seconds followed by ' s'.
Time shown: 10 h 12 min
